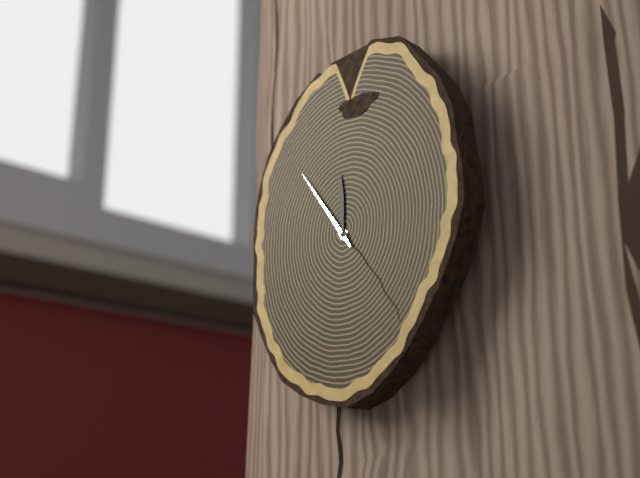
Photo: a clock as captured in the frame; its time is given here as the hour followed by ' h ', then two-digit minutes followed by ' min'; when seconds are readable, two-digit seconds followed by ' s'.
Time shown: 11 h 54 min
